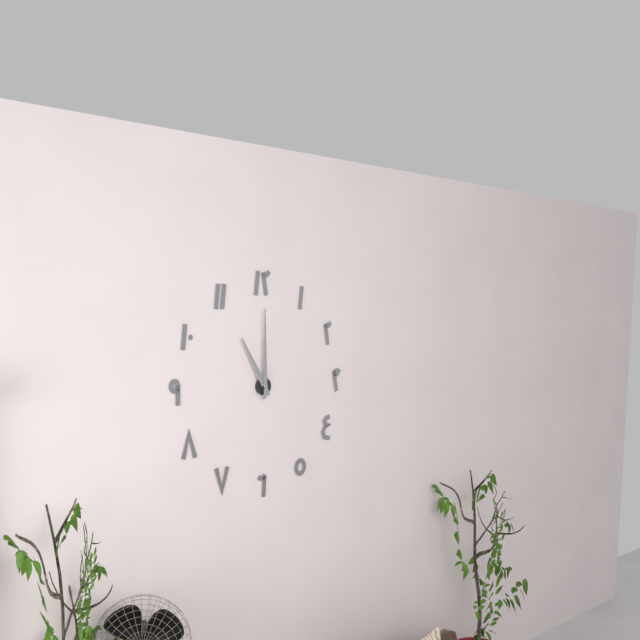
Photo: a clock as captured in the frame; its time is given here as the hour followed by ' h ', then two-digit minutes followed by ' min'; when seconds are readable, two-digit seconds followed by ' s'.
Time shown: 11 h 00 min
